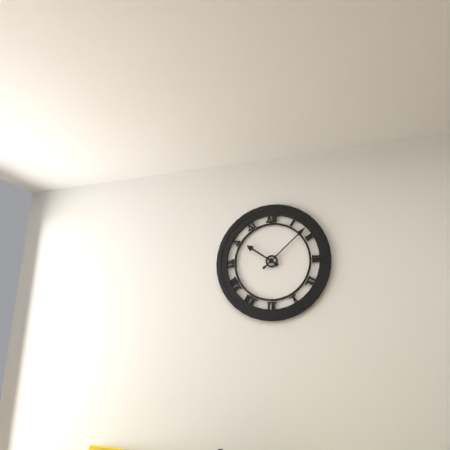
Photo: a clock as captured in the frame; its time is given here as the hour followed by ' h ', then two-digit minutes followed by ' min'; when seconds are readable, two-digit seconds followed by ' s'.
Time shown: 10 h 08 min
